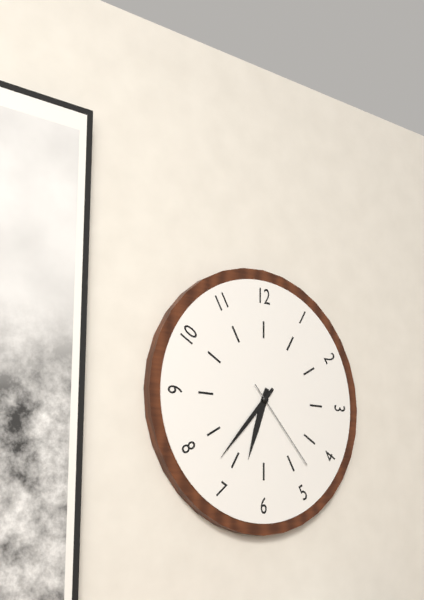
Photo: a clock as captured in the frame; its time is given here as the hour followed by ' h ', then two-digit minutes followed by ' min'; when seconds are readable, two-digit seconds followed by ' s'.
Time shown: 6 h 37 min 23 s
